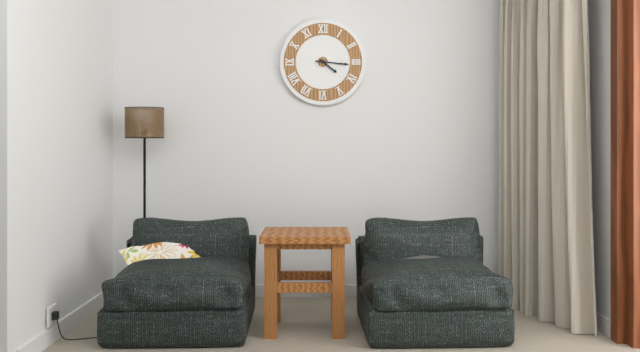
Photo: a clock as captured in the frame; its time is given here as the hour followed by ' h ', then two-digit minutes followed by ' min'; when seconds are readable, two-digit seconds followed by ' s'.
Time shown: 4 h 16 min
